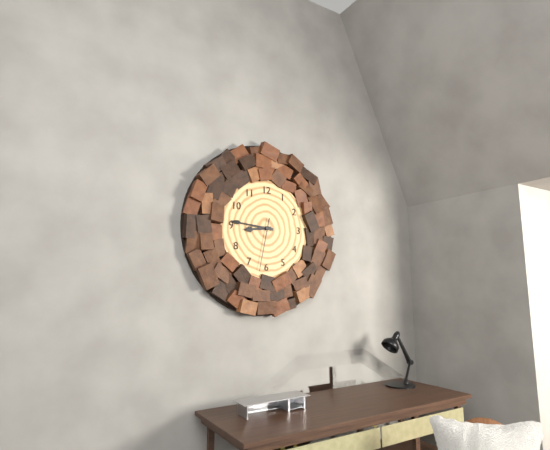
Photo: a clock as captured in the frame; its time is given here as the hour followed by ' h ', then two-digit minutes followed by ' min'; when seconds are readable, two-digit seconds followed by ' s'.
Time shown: 8 h 46 min 32 s
